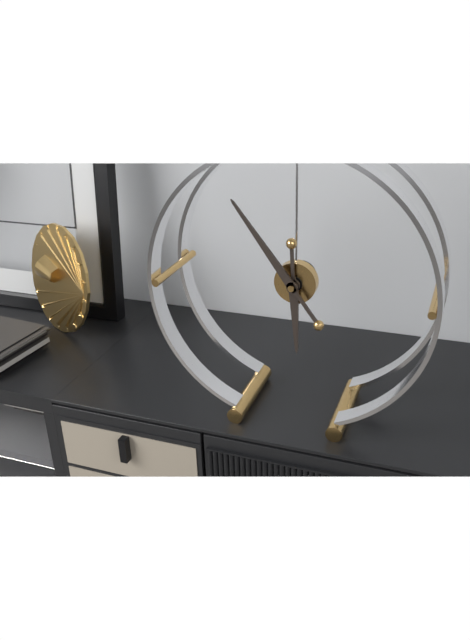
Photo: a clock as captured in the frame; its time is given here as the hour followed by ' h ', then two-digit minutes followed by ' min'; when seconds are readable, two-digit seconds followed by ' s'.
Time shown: 5 h 54 min
